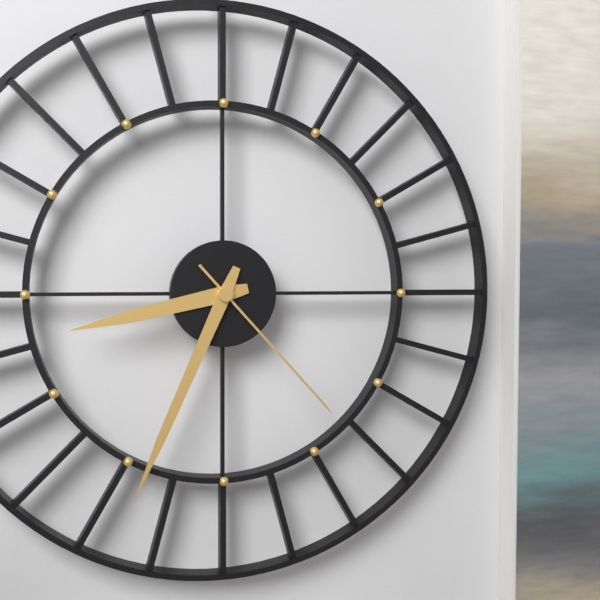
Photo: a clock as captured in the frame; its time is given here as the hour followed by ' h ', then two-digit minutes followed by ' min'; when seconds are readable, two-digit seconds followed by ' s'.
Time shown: 8 h 34 min 23 s
